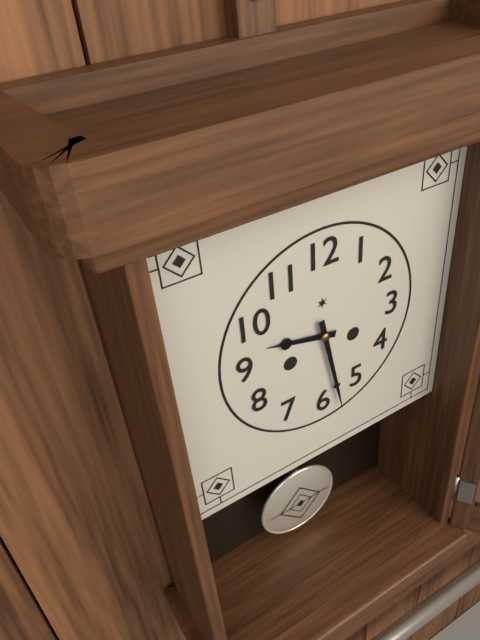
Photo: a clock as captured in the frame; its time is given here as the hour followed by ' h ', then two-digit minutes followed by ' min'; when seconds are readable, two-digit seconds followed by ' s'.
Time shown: 9 h 28 min
